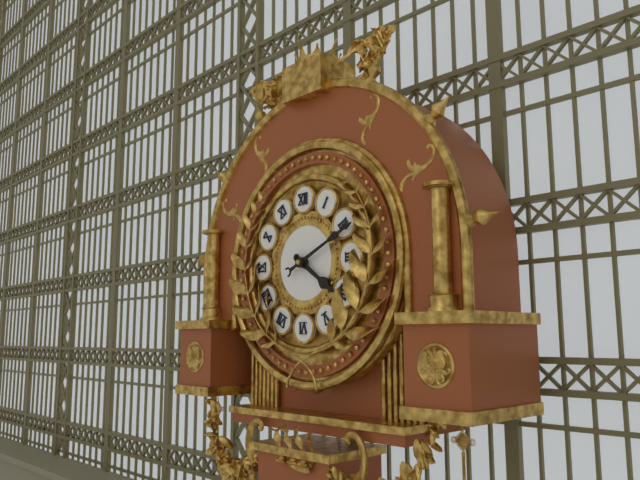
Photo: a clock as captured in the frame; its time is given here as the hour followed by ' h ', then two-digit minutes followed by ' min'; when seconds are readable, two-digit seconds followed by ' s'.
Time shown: 4 h 11 min
